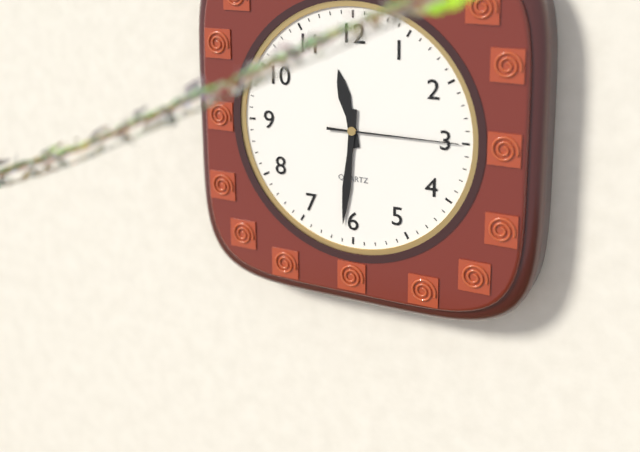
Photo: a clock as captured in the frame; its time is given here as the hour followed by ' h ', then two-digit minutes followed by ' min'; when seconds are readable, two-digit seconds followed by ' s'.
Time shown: 11 h 31 min 15 s
